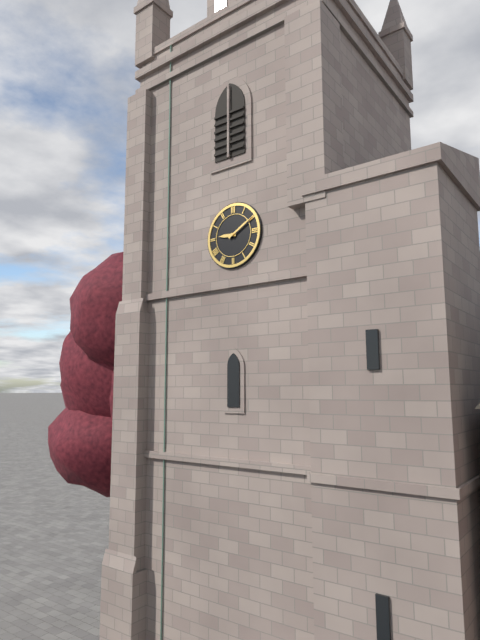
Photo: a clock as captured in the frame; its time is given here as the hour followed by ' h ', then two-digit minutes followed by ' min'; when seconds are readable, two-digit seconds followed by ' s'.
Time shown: 9 h 10 min
